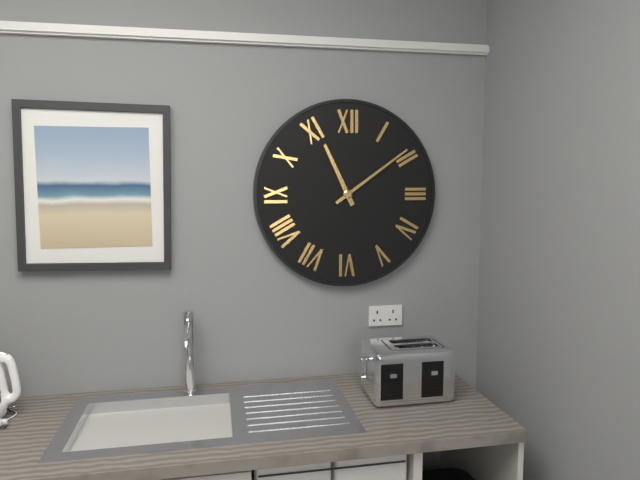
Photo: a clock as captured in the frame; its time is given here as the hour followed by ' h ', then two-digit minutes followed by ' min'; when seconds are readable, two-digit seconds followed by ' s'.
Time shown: 11 h 09 min
